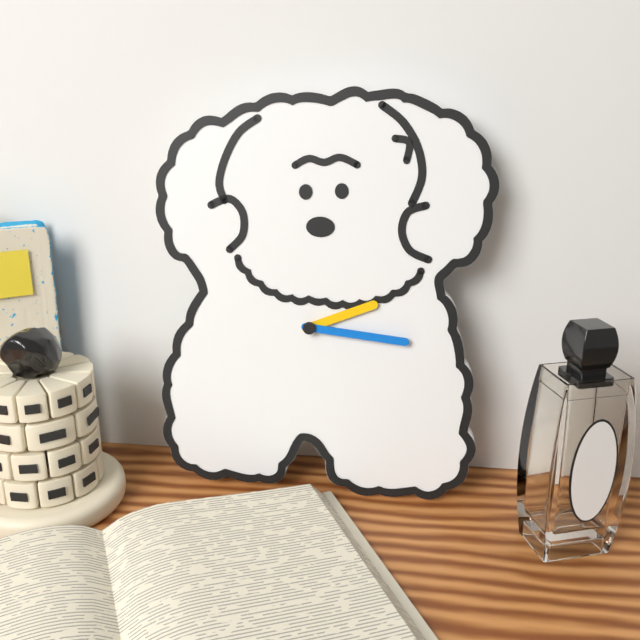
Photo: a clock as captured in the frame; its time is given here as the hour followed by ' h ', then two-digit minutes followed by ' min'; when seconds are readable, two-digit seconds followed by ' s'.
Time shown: 2 h 16 min
